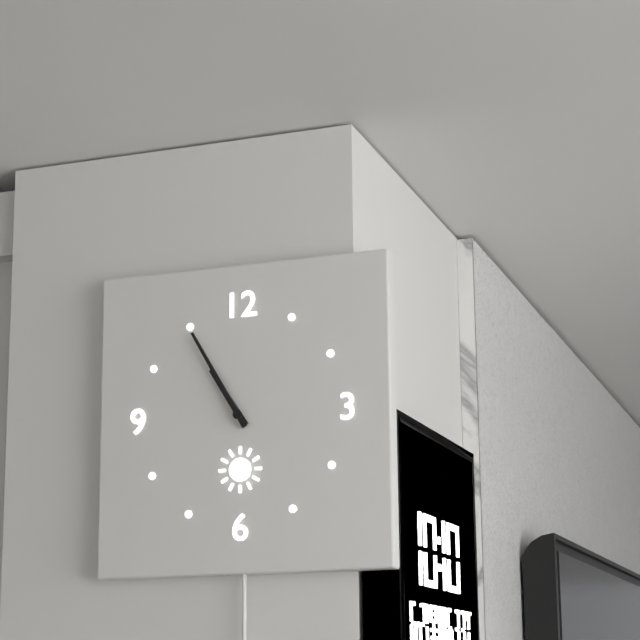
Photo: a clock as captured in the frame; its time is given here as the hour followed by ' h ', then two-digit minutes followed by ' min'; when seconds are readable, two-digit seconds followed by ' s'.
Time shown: 10 h 55 min
